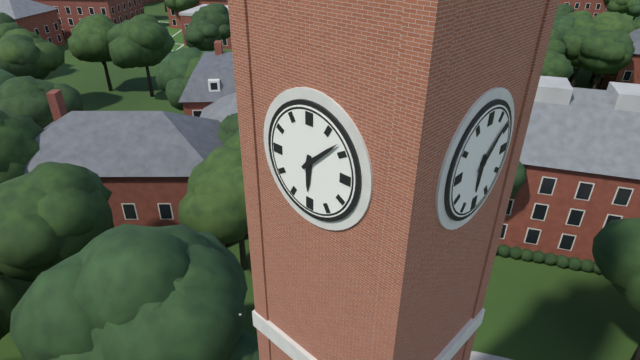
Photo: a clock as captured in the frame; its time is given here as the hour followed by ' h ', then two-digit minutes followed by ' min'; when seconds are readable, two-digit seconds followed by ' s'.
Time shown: 6 h 08 min
